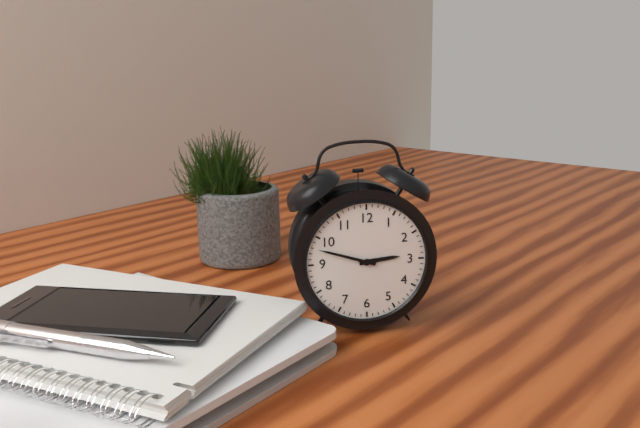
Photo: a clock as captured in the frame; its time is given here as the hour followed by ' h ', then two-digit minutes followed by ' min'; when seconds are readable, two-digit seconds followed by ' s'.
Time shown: 2 h 48 min
